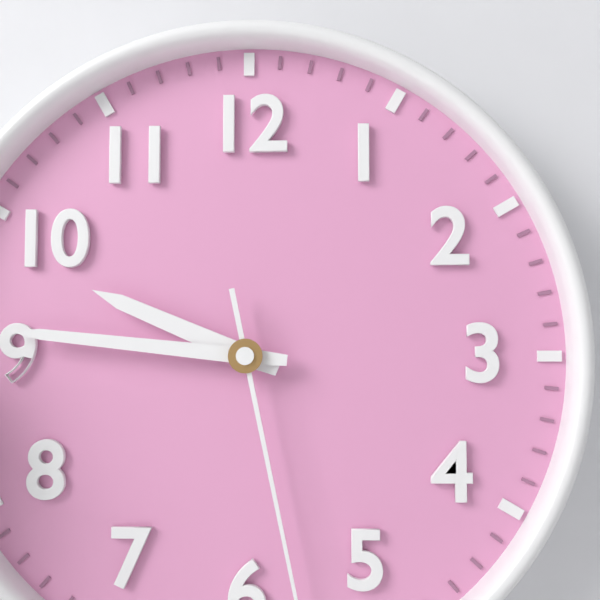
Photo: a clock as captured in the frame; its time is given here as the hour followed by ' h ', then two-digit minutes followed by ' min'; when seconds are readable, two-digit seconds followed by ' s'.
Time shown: 9 h 46 min
